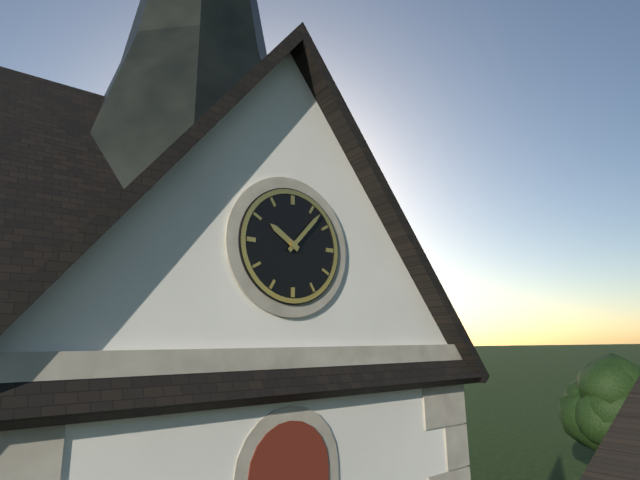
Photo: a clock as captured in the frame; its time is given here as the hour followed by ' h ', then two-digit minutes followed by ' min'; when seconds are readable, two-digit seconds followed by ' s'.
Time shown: 10 h 07 min
